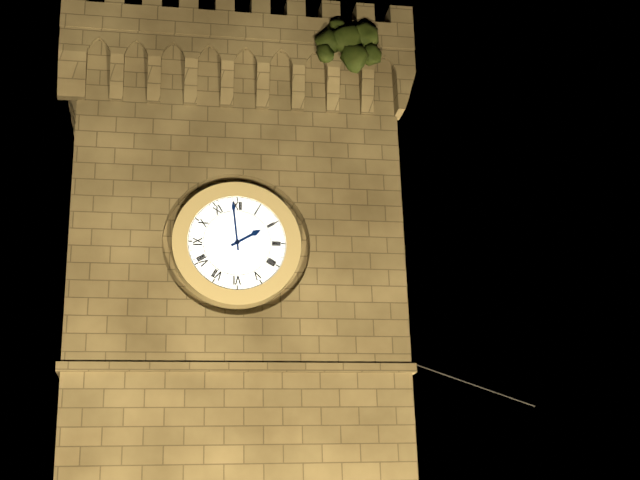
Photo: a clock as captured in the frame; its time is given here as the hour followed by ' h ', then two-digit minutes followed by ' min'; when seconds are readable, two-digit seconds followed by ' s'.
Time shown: 1 h 59 min
